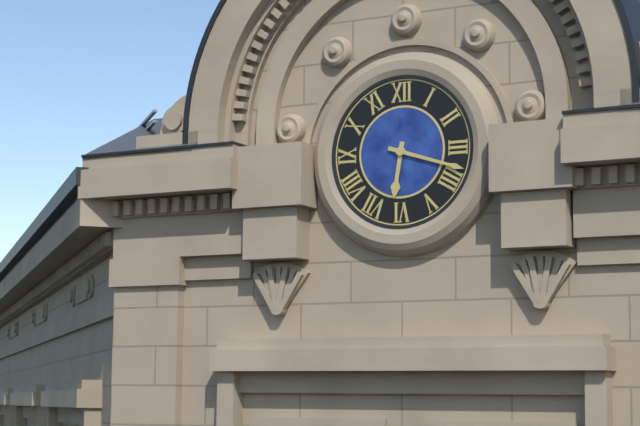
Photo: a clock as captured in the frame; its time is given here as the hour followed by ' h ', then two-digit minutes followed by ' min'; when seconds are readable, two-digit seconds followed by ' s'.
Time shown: 6 h 18 min
